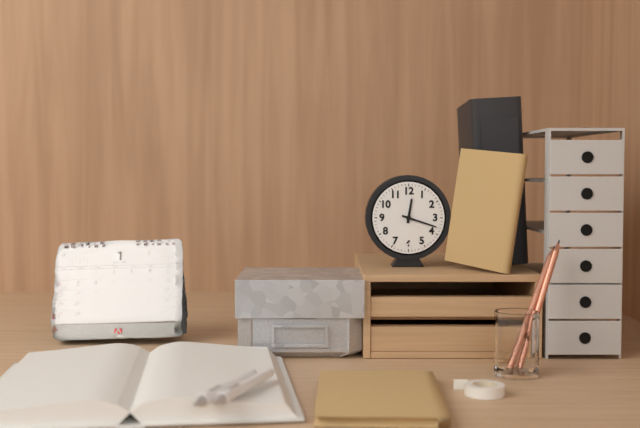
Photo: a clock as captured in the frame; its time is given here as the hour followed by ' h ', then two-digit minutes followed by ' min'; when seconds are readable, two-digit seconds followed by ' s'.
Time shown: 12 h 18 min
